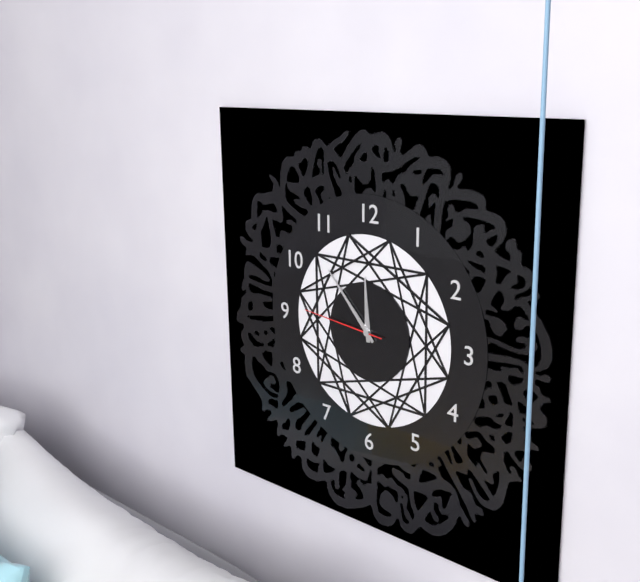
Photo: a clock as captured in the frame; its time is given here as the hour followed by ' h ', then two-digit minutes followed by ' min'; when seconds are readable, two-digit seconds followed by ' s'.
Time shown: 11 h 53 min 46 s
